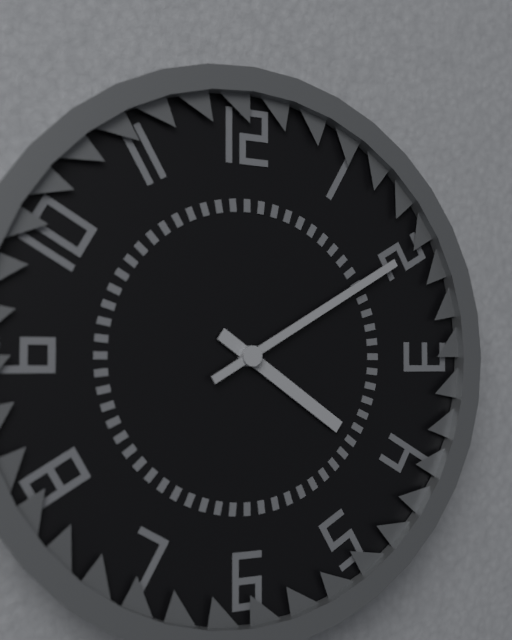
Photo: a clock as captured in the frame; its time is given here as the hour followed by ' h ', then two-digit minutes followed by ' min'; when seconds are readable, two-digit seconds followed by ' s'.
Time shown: 4 h 10 min
